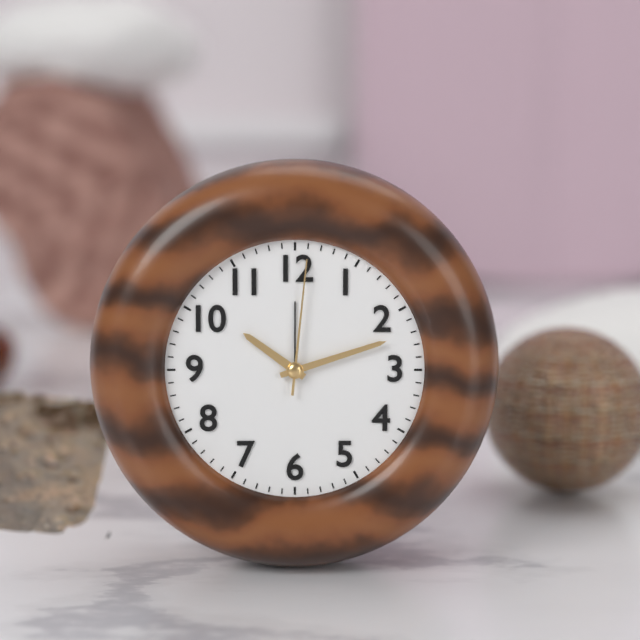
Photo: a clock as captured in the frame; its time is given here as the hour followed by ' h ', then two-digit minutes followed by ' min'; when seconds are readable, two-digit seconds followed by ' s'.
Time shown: 10 h 12 min 01 s
